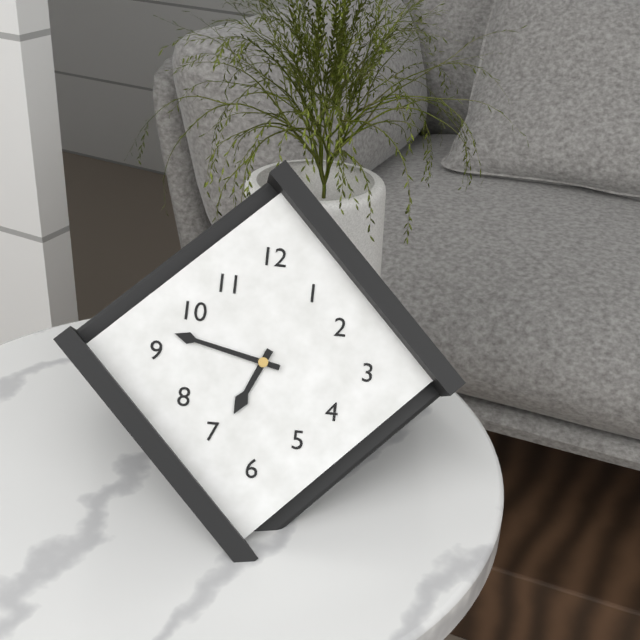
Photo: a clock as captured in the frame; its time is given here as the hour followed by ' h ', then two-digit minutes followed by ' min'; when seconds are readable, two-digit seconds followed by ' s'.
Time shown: 6 h 47 min
